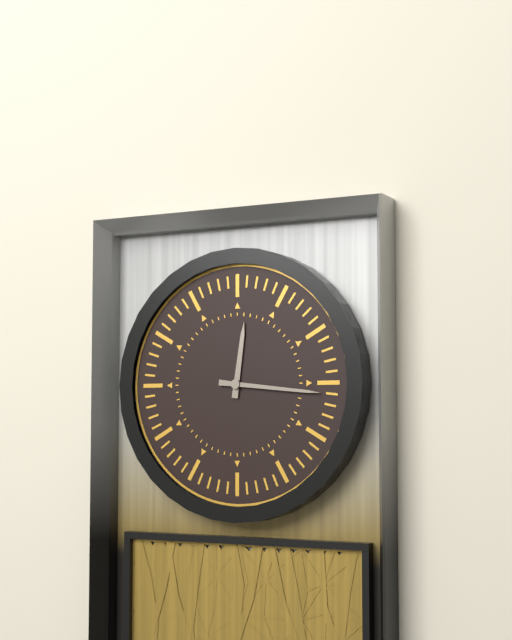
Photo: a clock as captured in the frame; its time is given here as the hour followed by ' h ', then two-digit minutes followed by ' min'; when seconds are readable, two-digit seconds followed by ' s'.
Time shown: 12 h 16 min
